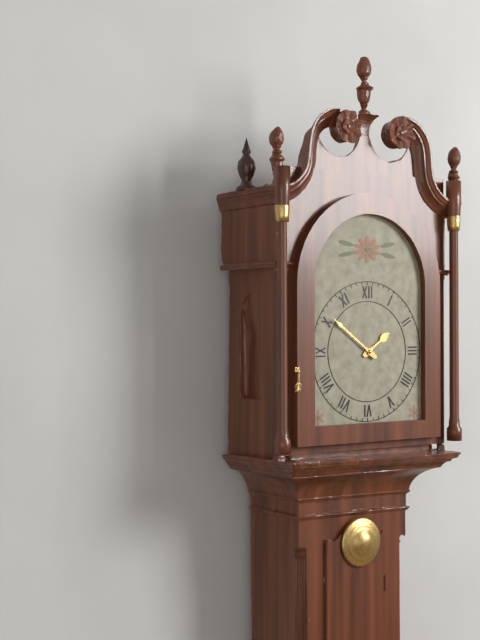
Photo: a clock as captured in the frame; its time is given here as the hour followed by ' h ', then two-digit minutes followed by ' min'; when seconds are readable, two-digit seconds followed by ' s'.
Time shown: 1 h 51 min
